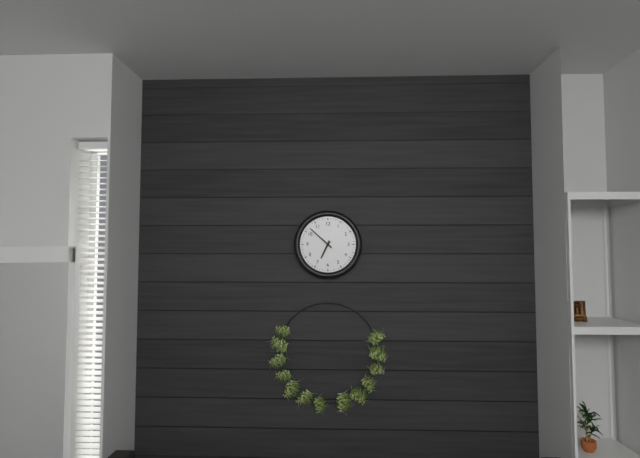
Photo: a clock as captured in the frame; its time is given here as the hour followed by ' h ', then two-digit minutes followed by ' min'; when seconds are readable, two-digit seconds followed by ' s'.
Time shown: 6 h 52 min
